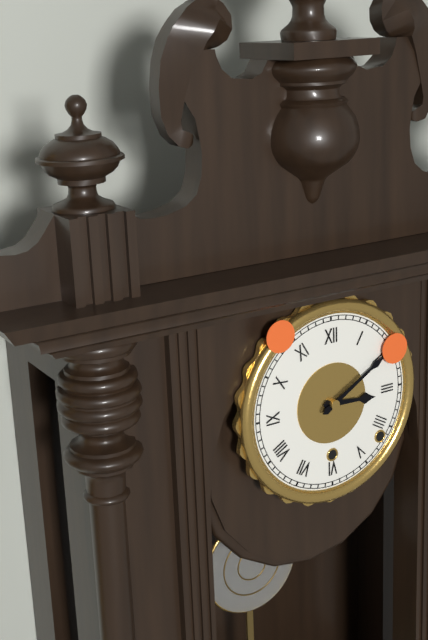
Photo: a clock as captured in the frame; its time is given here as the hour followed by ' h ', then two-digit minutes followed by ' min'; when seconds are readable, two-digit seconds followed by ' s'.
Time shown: 3 h 10 min
